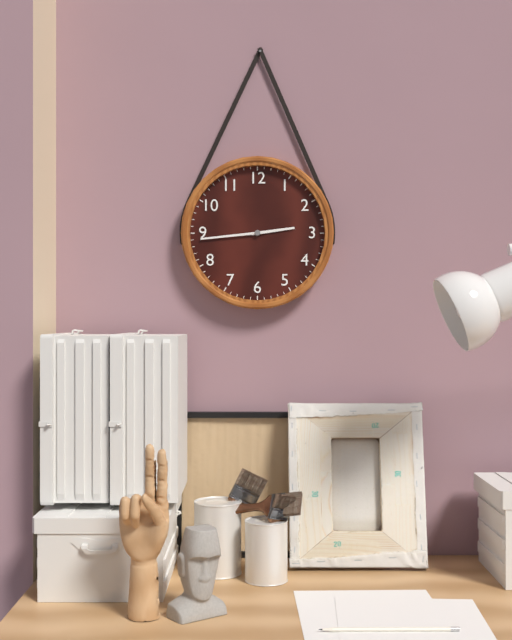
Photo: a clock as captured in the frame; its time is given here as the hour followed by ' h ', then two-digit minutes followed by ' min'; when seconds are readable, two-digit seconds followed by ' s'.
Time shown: 2 h 44 min
